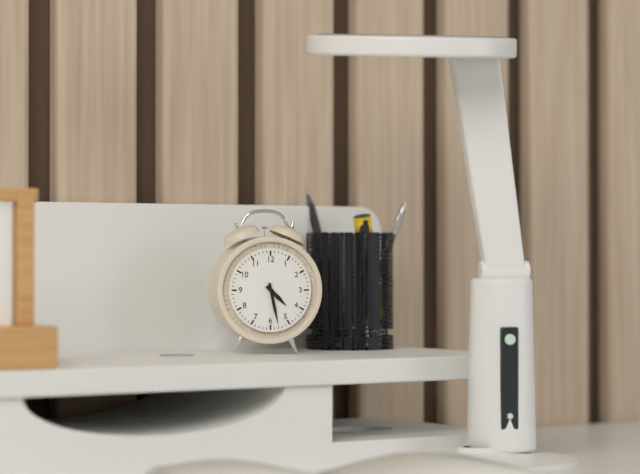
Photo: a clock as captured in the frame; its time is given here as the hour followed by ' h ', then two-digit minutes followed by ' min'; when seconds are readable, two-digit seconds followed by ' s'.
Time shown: 4 h 28 min
